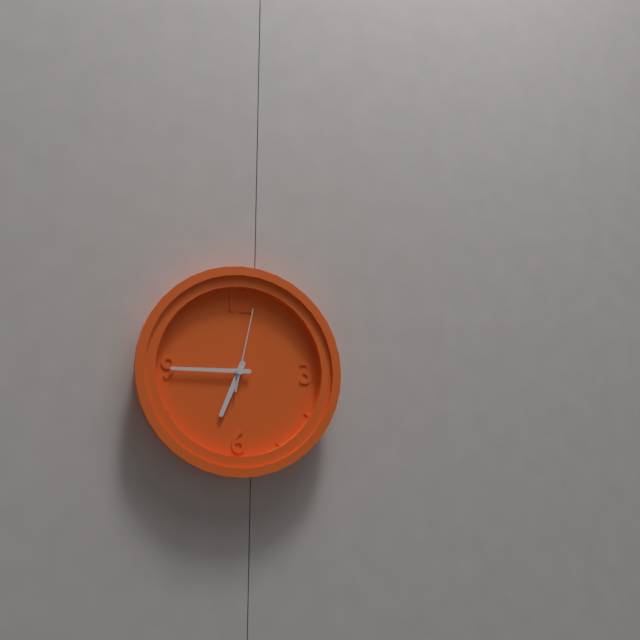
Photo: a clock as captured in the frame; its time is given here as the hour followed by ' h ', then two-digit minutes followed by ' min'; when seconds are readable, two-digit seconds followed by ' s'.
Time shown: 6 h 45 min 02 s
